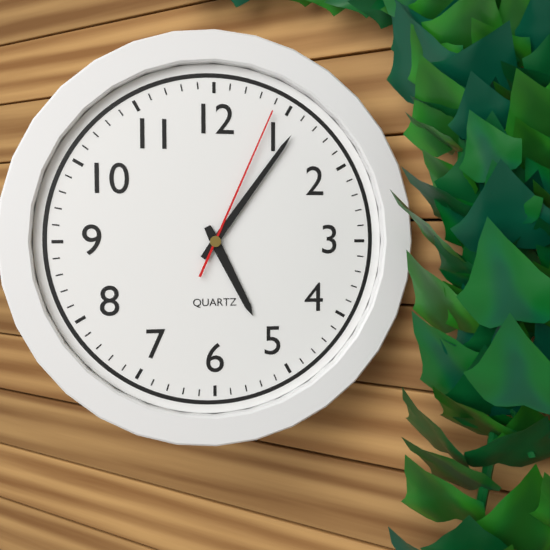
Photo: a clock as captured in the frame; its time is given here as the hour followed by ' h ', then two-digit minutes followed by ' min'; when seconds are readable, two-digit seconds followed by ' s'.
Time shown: 5 h 06 min 04 s
